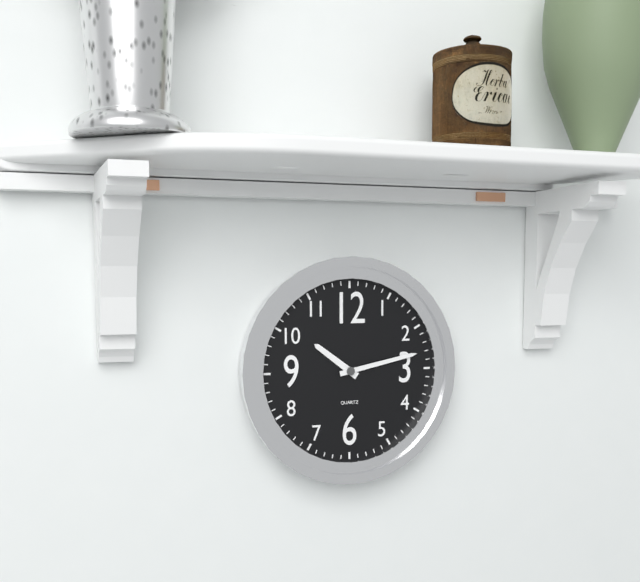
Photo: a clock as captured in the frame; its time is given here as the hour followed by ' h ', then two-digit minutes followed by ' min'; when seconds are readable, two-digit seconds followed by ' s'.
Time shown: 10 h 13 min
